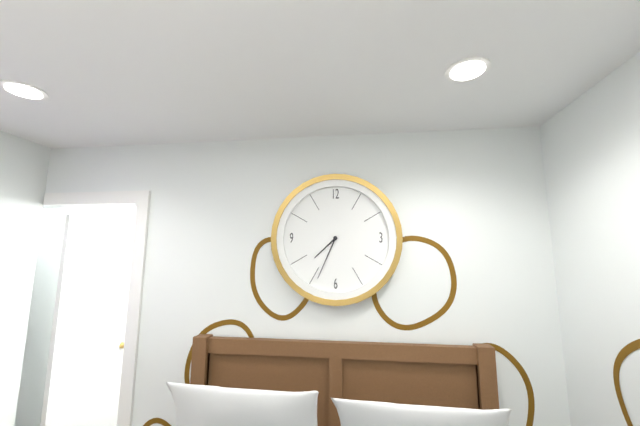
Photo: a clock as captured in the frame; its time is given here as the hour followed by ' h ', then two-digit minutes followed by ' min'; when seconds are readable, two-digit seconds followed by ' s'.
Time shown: 7 h 34 min
